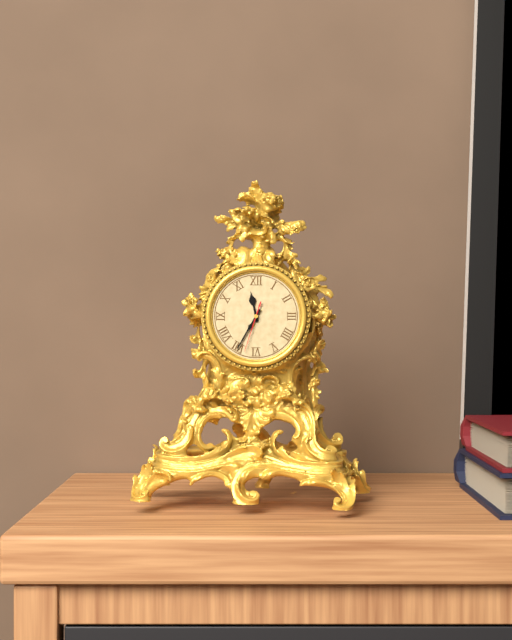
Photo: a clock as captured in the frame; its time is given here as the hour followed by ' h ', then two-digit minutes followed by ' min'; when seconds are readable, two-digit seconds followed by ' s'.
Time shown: 11 h 35 min
